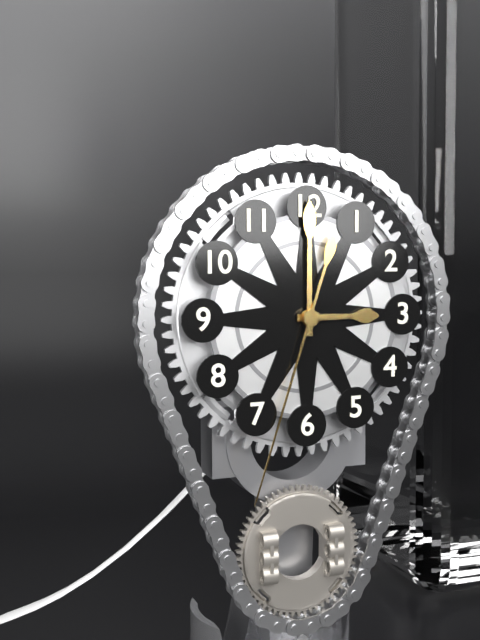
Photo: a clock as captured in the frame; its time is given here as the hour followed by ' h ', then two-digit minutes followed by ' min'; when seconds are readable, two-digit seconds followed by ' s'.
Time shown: 3 h 00 min 33 s
